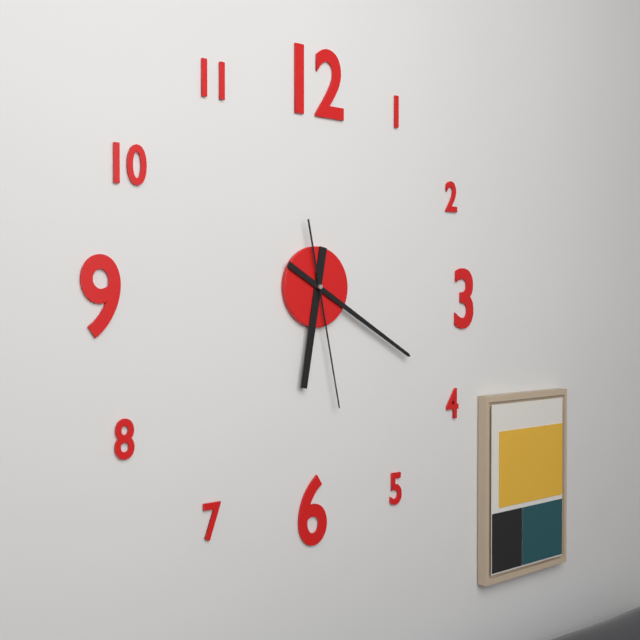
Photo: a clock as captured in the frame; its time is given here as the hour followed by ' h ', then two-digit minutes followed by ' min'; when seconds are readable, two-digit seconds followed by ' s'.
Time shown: 6 h 20 min 28 s
